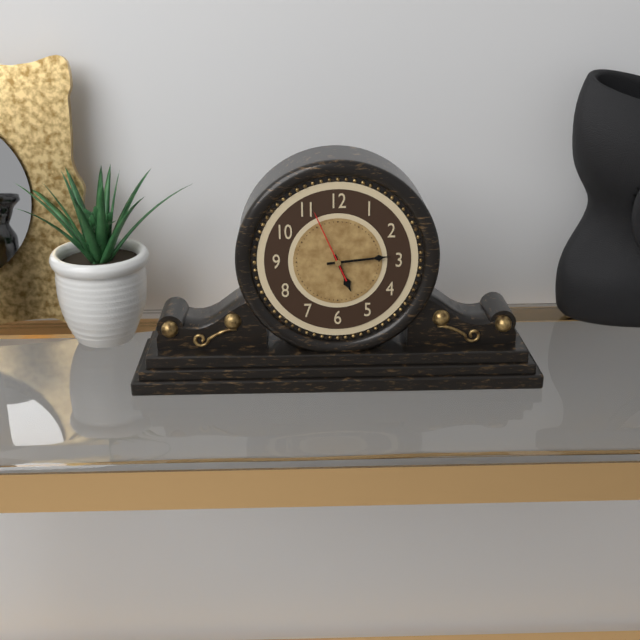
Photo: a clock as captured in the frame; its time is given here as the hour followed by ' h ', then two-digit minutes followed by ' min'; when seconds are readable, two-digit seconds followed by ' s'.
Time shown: 5 h 14 min 56 s
